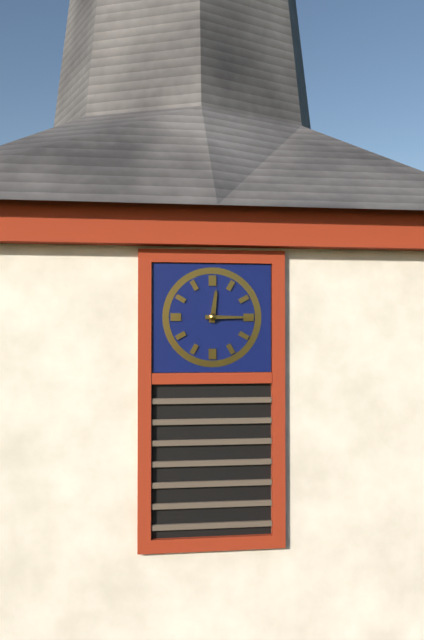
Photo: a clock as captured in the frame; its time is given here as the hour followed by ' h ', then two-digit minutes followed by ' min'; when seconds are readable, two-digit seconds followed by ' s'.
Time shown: 12 h 15 min
